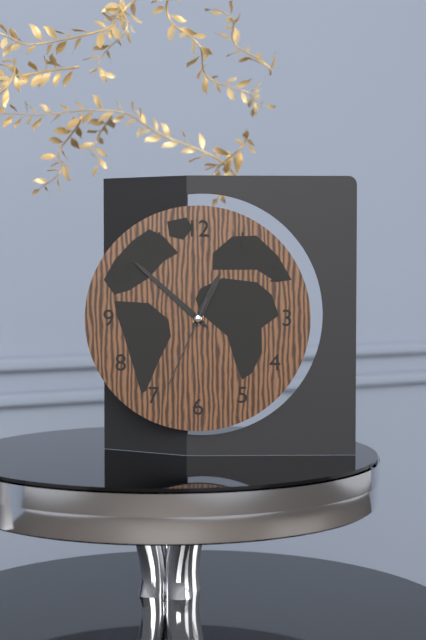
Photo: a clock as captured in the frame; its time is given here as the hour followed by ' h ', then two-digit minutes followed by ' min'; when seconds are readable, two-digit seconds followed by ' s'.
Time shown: 12 h 52 min 34 s
